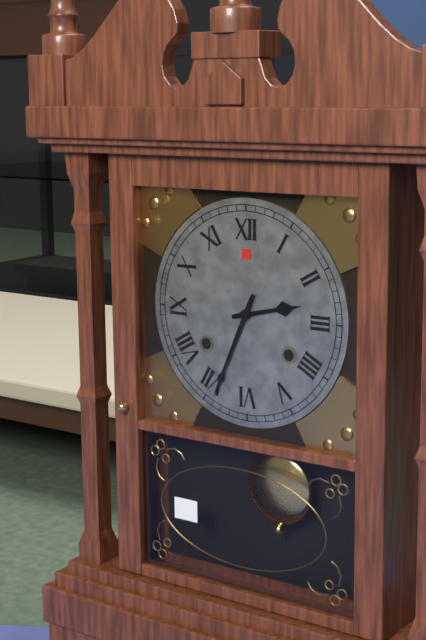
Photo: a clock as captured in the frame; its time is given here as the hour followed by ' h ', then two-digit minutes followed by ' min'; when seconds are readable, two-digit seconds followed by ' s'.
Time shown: 2 h 34 min
